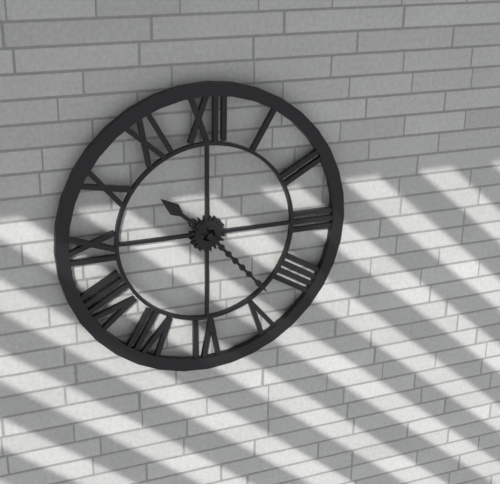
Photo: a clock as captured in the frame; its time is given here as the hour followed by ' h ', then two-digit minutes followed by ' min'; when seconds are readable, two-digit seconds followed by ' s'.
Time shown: 10 h 23 min
